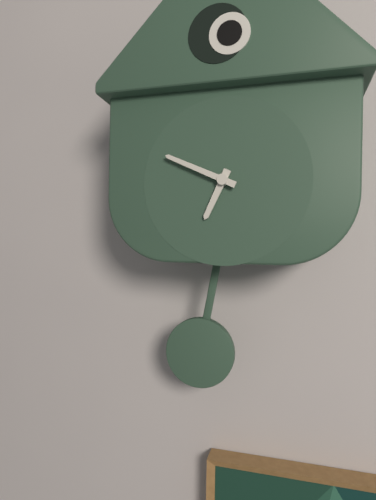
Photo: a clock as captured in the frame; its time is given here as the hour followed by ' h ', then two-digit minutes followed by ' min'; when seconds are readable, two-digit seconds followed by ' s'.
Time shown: 6 h 49 min
